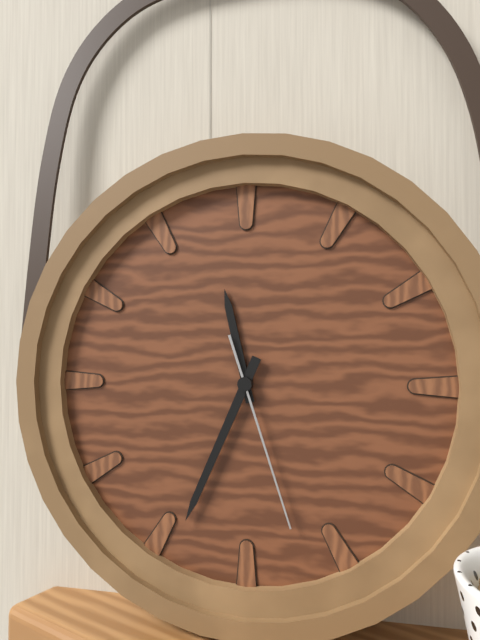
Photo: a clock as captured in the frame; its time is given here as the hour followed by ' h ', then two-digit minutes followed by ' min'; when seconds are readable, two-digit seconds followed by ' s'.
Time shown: 11 h 34 min 27 s
